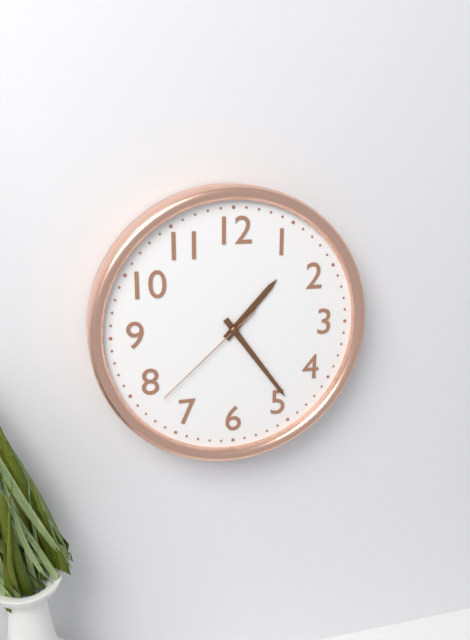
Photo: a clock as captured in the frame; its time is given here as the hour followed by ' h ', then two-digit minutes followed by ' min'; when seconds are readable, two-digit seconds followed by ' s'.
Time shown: 1 h 24 min 38 s
